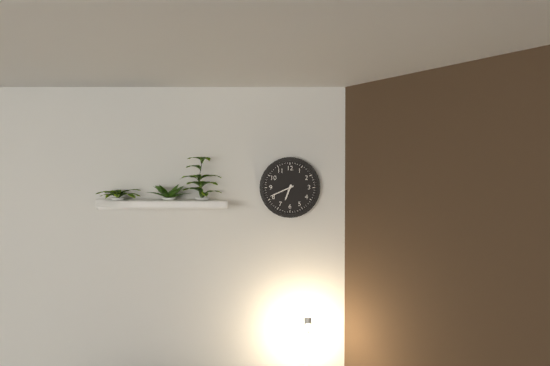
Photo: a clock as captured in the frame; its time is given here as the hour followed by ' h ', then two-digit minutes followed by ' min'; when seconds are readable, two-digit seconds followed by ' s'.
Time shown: 6 h 41 min
